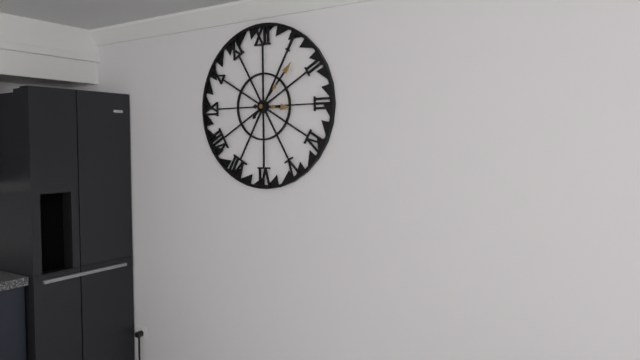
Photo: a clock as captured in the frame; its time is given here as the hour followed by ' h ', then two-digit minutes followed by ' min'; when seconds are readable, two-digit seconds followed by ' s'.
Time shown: 3 h 07 min
